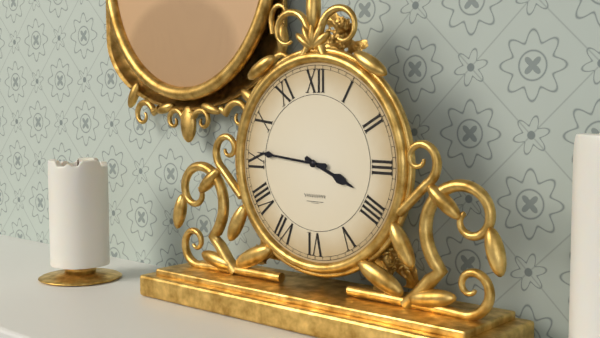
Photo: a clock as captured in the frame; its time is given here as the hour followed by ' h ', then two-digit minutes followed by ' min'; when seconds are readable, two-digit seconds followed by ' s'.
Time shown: 3 h 46 min
